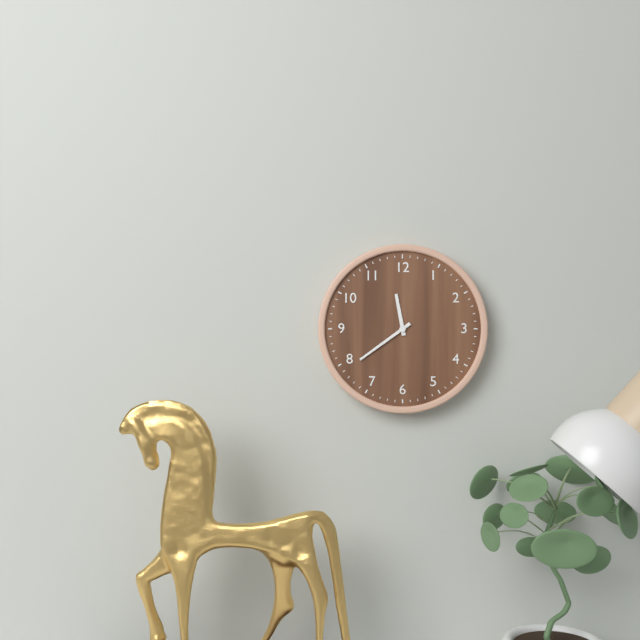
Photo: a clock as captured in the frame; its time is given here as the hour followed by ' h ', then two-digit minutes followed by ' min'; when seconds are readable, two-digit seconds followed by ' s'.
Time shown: 11 h 39 min
